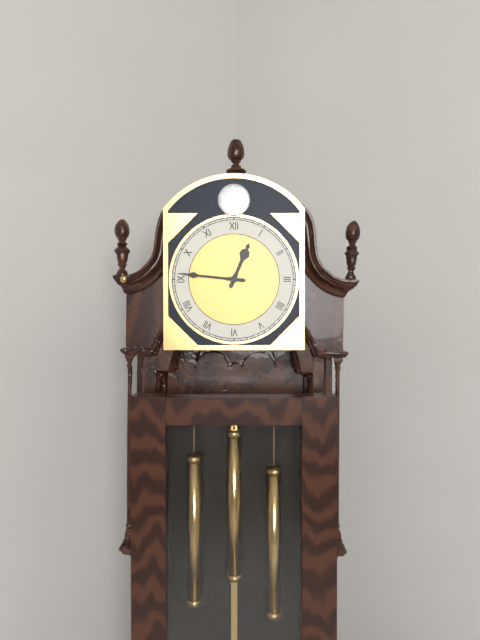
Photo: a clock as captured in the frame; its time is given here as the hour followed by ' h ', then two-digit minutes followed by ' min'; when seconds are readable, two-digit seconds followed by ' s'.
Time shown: 12 h 46 min
